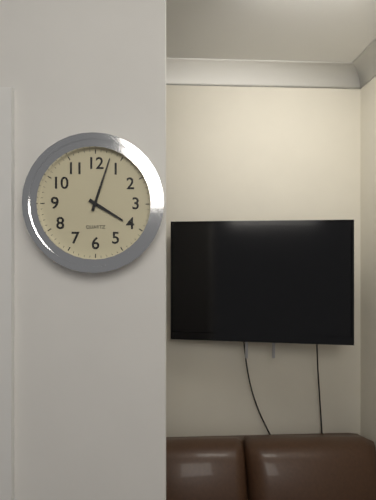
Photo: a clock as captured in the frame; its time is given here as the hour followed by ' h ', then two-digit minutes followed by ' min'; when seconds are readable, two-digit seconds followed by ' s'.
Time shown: 4 h 03 min
